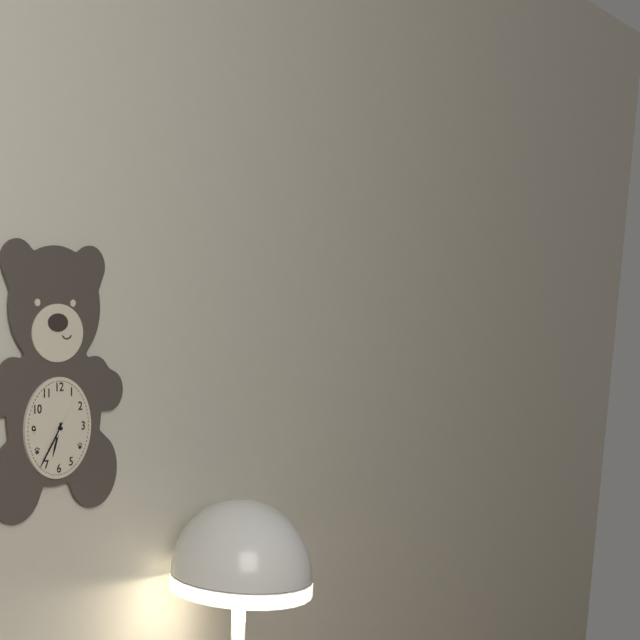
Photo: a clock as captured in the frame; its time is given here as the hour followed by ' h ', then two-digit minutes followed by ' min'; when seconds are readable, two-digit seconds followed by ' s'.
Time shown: 6 h 36 min
